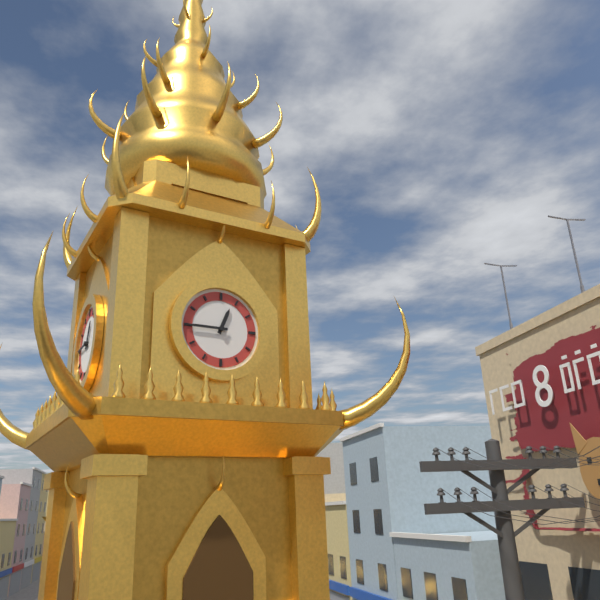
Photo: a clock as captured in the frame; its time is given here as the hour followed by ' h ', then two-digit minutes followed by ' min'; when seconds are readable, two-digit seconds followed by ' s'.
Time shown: 12 h 45 min
